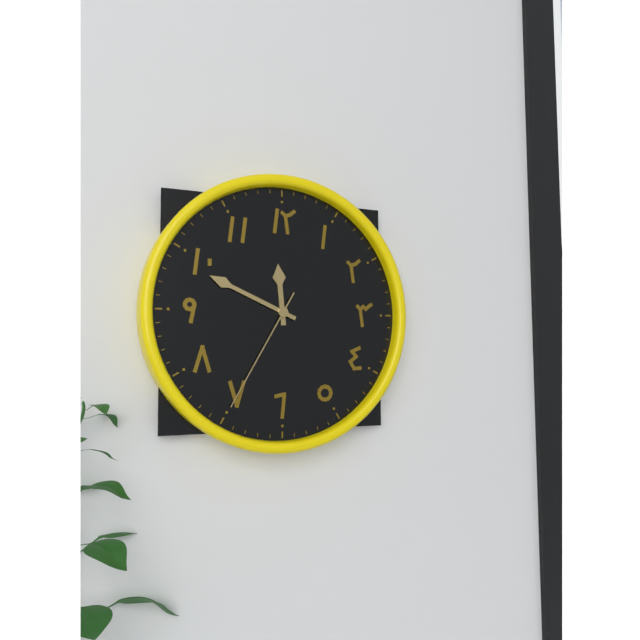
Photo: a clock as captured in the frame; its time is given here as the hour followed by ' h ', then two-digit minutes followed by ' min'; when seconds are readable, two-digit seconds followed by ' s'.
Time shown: 11 h 49 min 35 s
